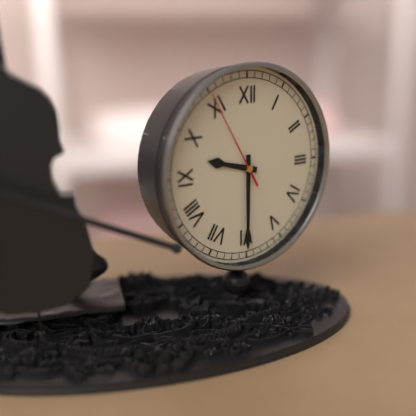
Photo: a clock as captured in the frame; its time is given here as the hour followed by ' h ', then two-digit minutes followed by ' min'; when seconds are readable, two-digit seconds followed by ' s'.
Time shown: 9 h 30 min 55 s
